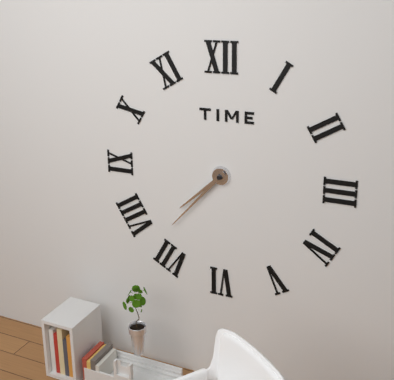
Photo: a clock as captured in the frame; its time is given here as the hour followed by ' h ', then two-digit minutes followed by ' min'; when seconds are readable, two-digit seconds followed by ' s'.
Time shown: 7 h 37 min
